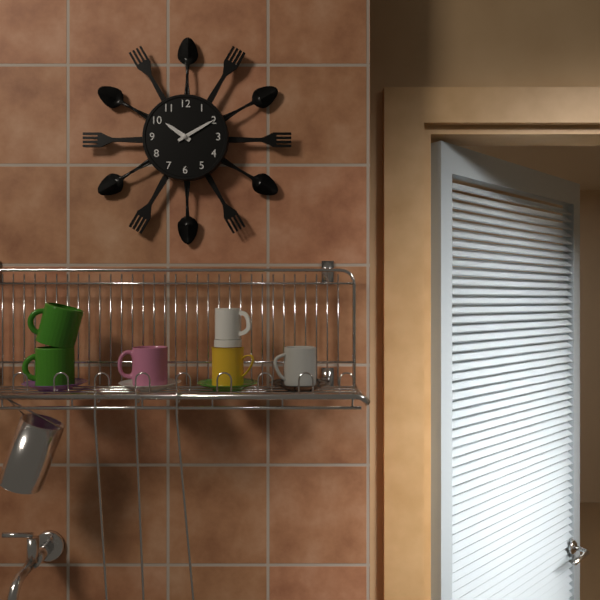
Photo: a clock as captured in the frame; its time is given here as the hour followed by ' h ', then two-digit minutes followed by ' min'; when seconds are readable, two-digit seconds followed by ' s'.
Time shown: 10 h 10 min
